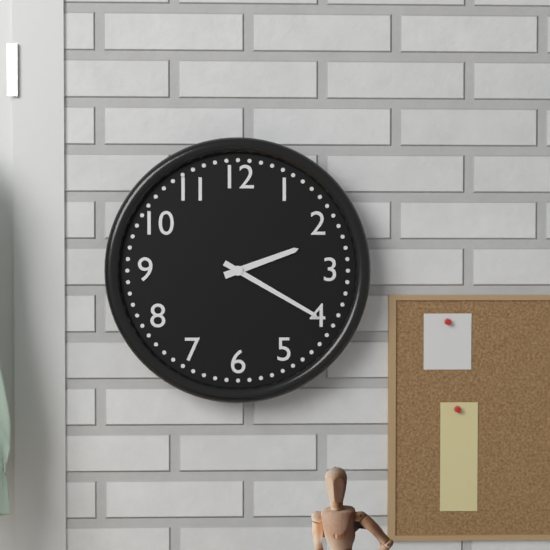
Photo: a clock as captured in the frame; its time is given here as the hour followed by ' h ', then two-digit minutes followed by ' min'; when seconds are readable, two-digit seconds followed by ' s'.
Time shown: 2 h 20 min
